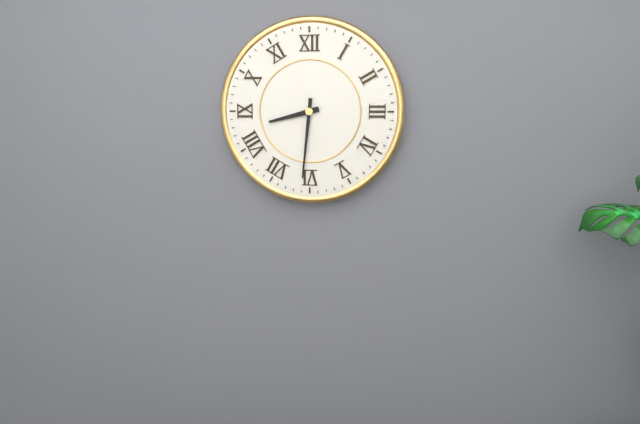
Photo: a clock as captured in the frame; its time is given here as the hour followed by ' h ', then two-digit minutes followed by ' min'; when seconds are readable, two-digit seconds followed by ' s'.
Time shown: 8 h 31 min
